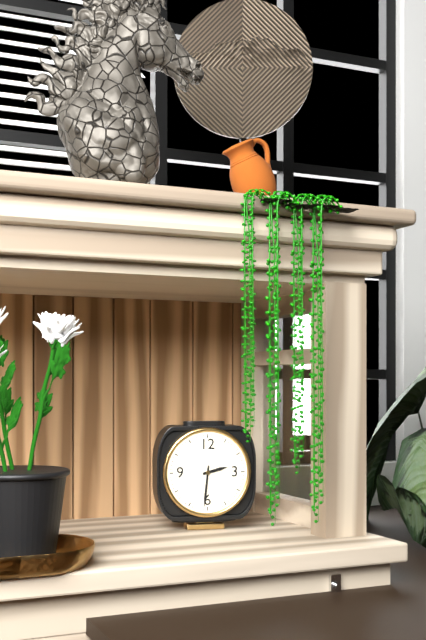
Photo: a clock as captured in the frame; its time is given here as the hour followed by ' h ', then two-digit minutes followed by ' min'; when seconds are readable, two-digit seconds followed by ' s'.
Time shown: 2 h 31 min
